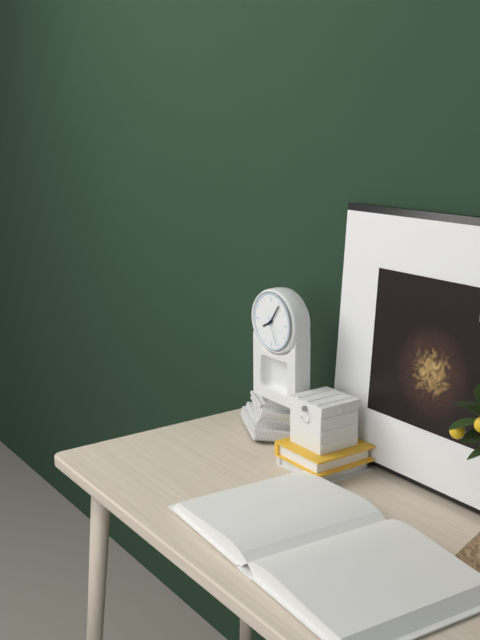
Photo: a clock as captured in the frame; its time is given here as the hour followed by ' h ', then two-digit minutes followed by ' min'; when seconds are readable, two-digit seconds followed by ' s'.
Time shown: 8 h 06 min
